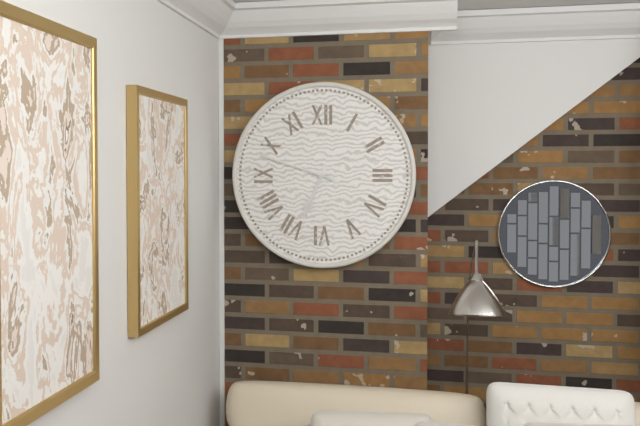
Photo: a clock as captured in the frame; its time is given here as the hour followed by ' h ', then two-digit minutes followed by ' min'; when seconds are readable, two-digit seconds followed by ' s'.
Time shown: 6 h 48 min
